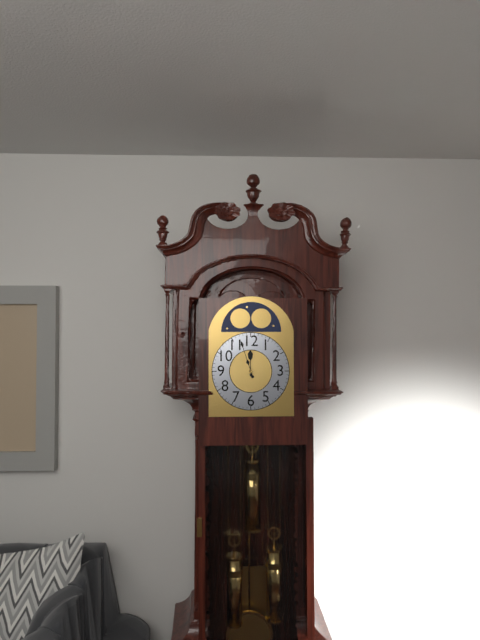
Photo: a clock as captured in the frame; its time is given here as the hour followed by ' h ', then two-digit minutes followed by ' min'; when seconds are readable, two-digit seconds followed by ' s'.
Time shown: 11 h 57 min
